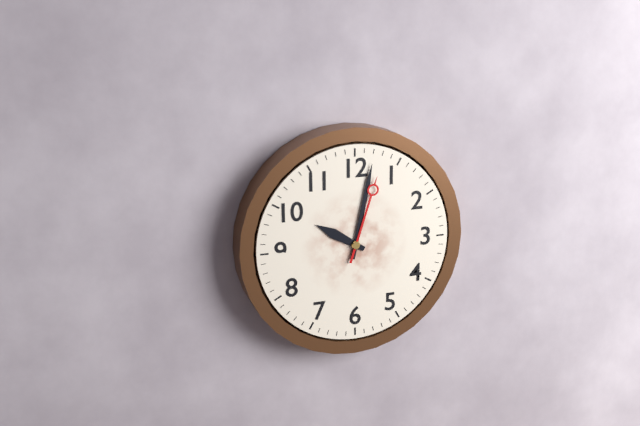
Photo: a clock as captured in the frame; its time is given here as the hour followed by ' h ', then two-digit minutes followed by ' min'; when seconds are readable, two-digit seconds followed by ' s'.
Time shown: 10 h 02 min 03 s
